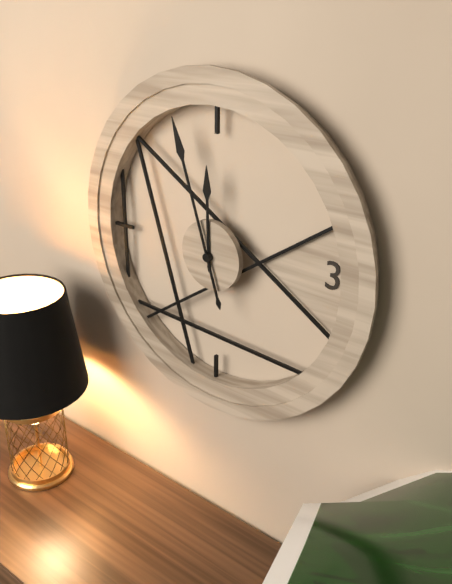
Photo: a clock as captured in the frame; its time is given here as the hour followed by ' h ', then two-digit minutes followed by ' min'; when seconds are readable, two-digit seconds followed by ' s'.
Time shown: 11 h 57 min
